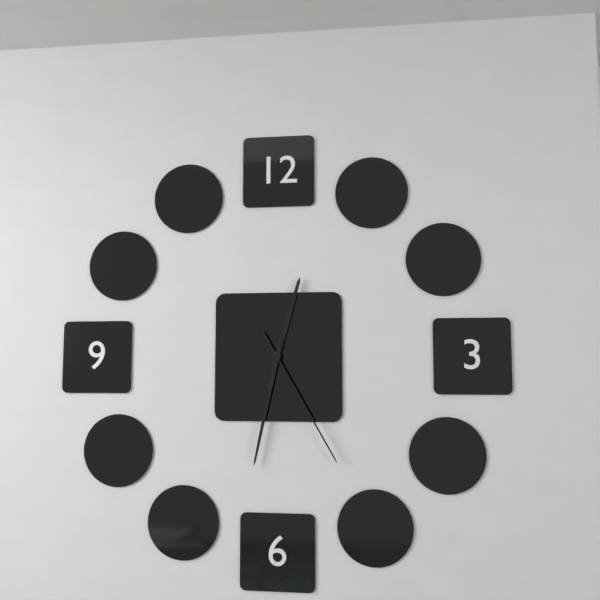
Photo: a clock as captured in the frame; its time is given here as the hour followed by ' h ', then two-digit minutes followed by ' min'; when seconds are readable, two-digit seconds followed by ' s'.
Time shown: 12 h 32 min 25 s
